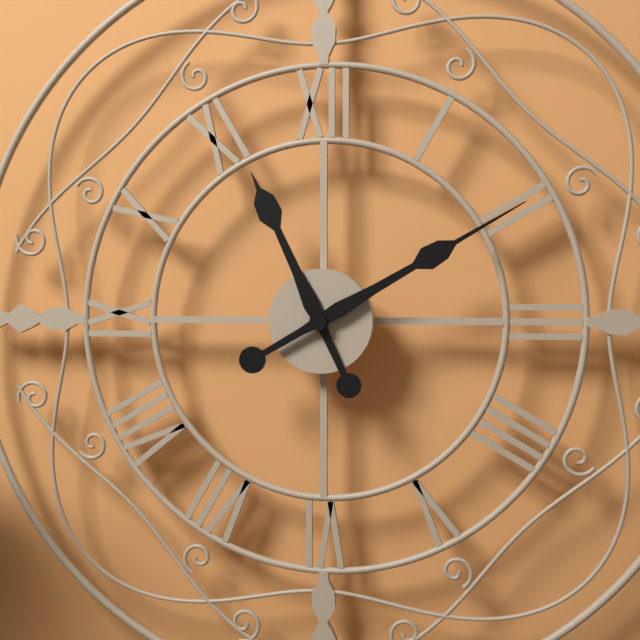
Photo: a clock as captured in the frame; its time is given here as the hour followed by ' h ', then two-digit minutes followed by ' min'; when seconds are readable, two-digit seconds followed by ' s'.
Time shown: 11 h 10 min
